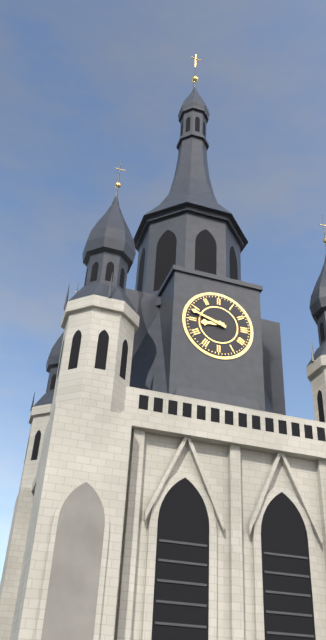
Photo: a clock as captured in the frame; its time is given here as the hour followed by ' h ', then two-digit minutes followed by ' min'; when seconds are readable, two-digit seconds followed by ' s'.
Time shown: 8 h 48 min
